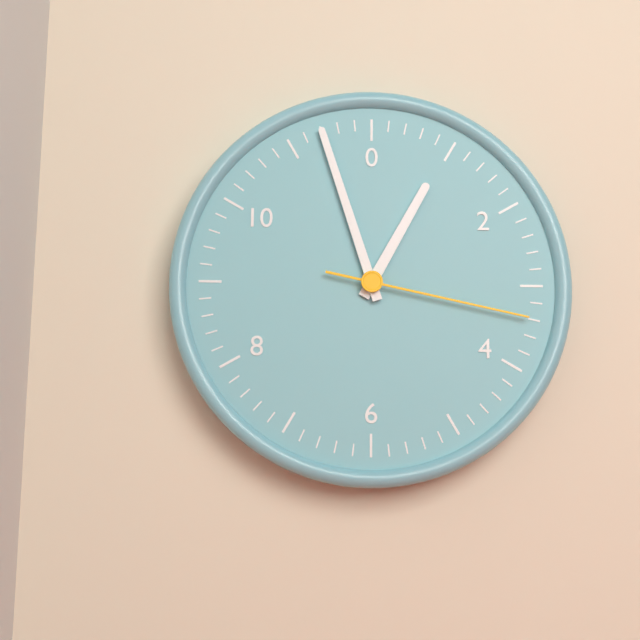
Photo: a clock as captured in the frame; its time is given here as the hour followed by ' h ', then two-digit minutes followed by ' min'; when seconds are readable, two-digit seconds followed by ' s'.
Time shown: 12 h 57 min 17 s
